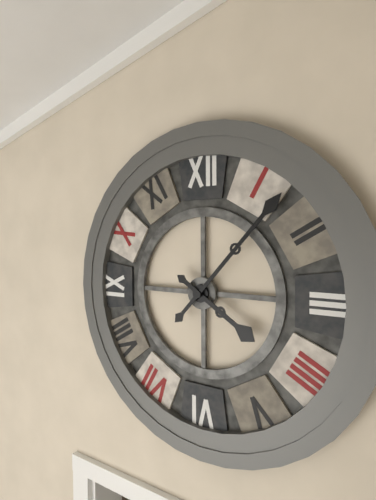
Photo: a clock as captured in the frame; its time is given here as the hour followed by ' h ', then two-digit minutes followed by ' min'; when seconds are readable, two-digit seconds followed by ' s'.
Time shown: 4 h 07 min
